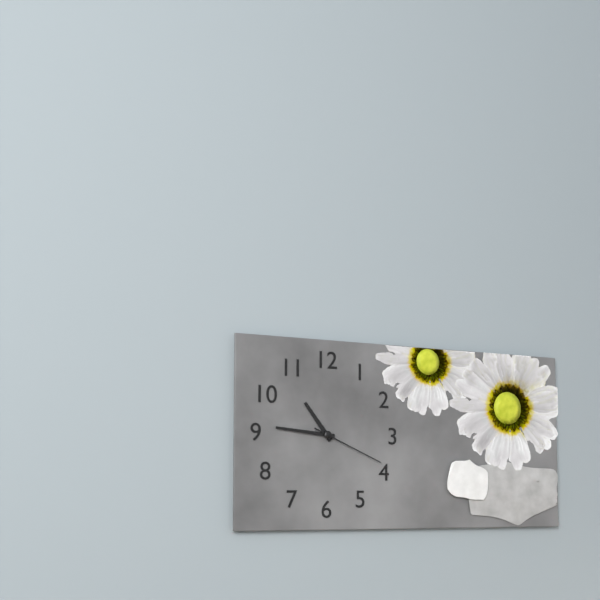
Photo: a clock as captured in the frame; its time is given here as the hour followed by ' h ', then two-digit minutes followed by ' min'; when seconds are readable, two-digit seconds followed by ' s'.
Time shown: 10 h 46 min 19 s
